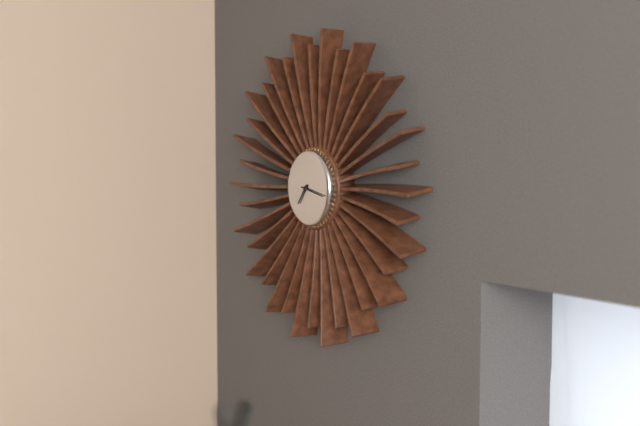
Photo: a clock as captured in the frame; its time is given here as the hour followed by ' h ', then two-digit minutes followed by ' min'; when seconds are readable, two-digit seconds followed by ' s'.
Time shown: 7 h 17 min
